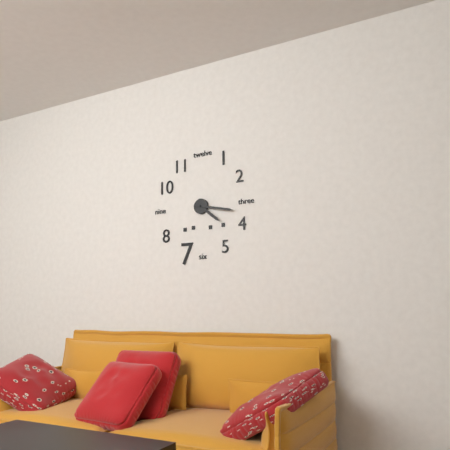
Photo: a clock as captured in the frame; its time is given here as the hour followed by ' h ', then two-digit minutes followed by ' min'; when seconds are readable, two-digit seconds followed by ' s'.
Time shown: 4 h 17 min
